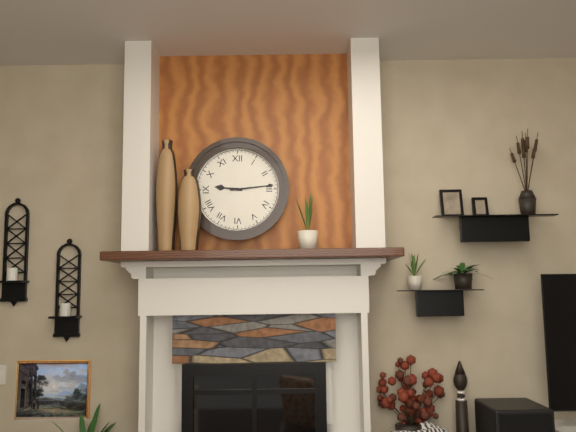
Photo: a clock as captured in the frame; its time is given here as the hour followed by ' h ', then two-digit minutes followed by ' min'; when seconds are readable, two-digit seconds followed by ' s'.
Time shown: 9 h 14 min
